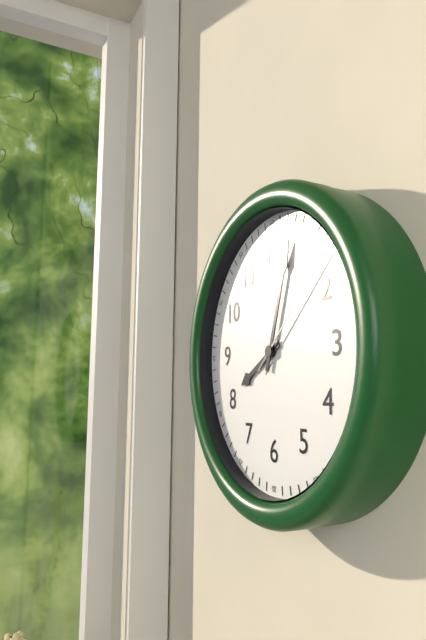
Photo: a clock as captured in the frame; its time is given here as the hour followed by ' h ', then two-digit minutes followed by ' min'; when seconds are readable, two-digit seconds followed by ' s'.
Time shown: 8 h 03 min 08 s
